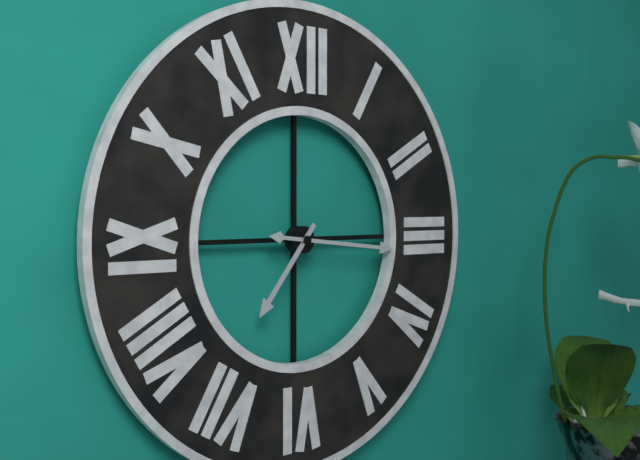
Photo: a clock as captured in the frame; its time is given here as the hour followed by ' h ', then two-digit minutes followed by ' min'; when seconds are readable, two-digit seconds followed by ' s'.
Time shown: 7 h 16 min
